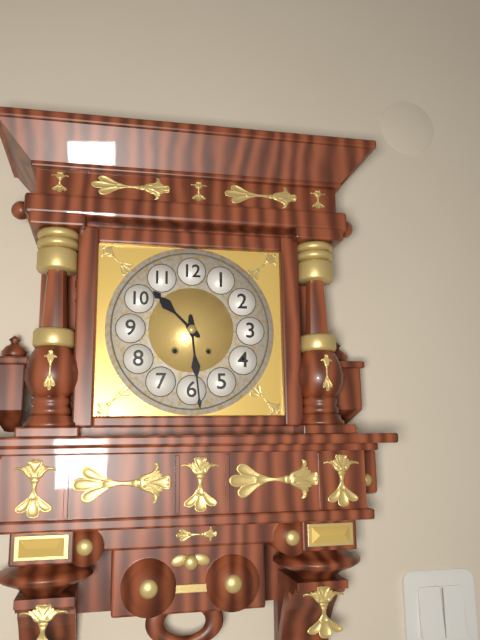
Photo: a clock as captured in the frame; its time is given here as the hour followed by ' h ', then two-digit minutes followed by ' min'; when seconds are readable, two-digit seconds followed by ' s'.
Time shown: 10 h 29 min
